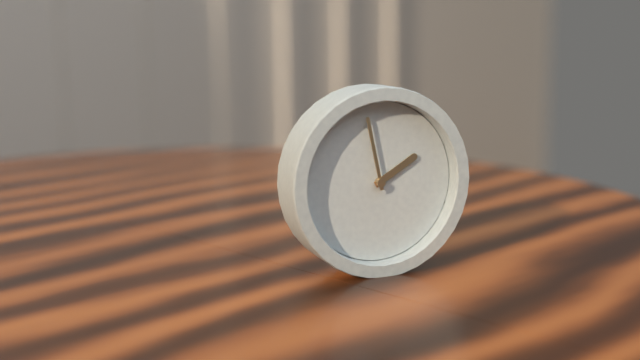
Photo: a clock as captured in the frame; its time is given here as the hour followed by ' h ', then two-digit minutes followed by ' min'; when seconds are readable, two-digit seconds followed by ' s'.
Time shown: 1 h 58 min
